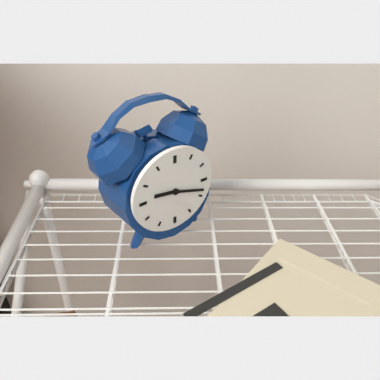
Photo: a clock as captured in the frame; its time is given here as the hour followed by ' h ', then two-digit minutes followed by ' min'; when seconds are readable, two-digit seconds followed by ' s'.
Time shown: 9 h 18 min
